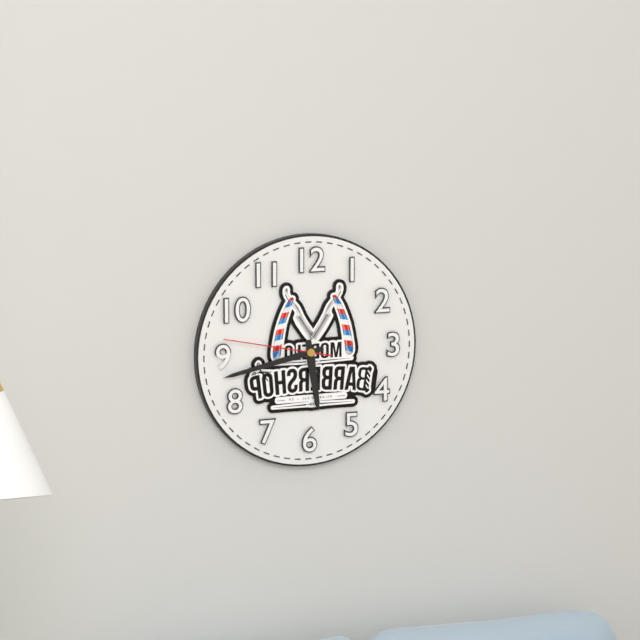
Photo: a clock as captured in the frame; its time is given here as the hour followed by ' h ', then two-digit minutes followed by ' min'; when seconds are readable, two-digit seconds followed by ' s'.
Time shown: 5 h 43 min 47 s
